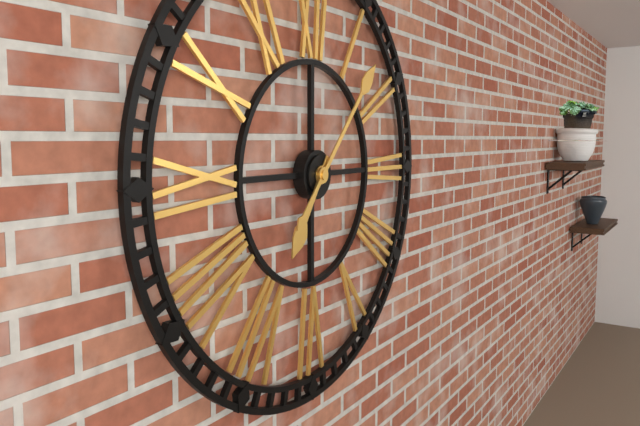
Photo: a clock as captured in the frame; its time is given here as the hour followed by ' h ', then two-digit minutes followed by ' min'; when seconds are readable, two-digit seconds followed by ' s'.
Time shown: 7 h 07 min
